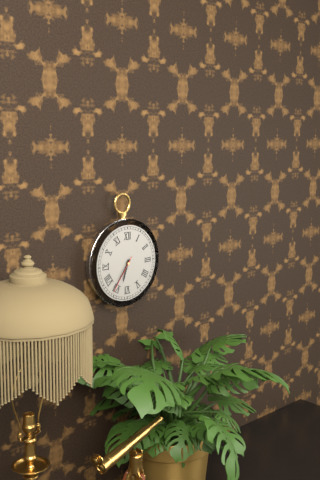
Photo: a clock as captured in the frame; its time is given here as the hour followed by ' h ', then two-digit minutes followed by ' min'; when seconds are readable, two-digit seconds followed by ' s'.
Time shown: 6 h 36 min
